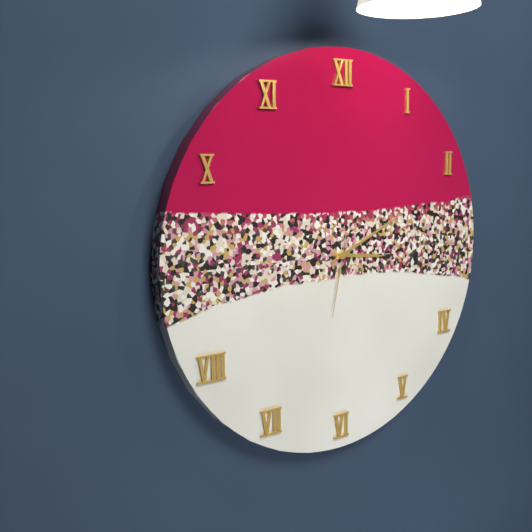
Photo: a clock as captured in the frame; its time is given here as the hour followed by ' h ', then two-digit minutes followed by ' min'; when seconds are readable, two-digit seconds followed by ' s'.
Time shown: 3 h 11 min 32 s
